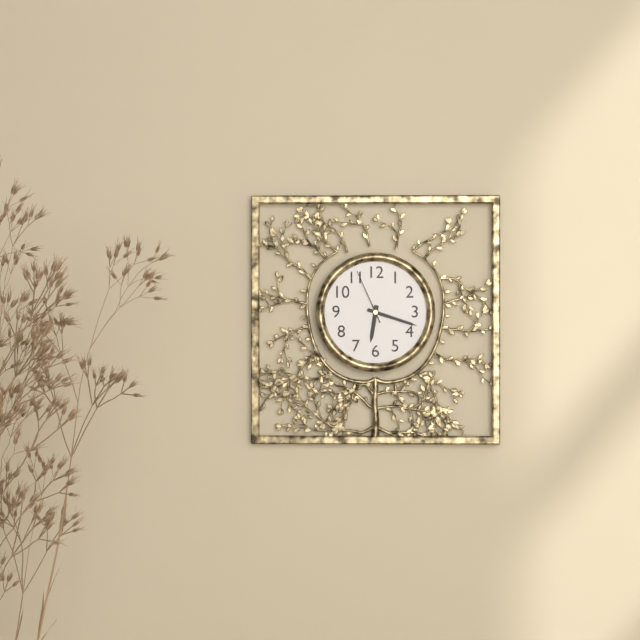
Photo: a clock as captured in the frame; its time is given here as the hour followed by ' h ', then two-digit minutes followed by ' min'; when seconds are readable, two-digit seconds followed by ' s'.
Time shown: 6 h 18 min 56 s
